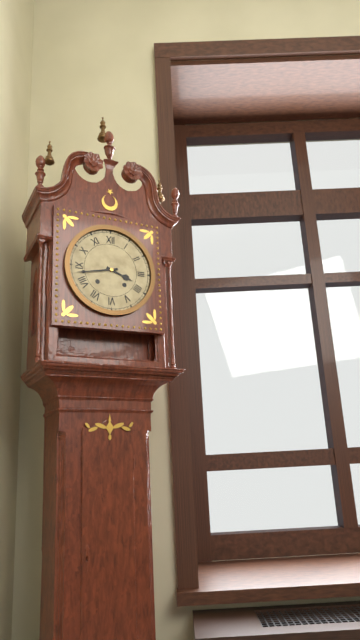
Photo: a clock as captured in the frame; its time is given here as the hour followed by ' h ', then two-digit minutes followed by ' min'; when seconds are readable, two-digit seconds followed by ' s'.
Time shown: 3 h 43 min
